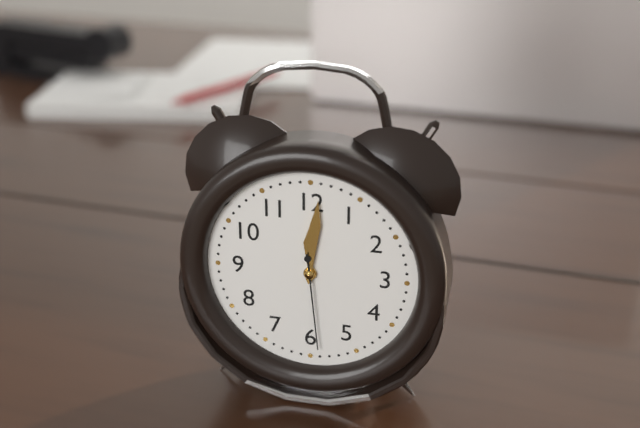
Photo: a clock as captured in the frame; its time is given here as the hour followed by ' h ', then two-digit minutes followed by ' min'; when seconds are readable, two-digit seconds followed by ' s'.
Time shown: 12 h 01 min 29 s
